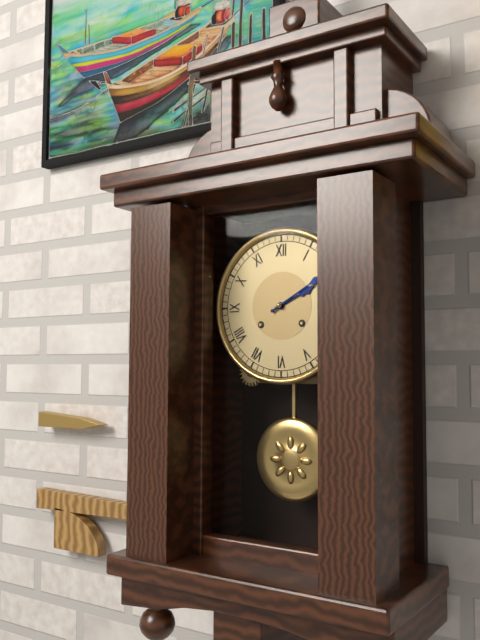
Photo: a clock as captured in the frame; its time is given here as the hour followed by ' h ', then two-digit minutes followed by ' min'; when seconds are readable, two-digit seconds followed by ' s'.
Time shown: 2 h 10 min
